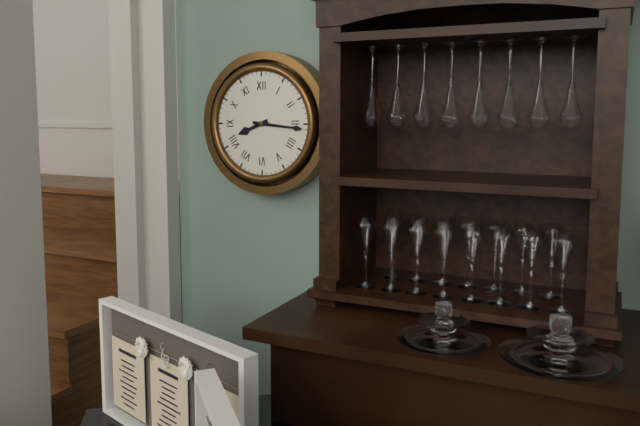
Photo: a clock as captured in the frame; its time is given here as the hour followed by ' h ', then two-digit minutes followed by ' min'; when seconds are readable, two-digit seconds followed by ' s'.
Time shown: 8 h 16 min
